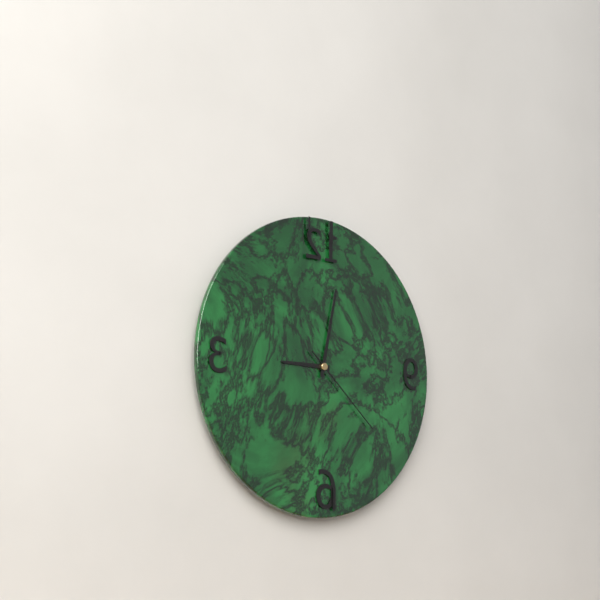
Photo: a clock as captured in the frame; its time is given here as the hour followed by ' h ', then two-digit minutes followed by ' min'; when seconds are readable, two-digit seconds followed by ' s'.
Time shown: 9 h 02 min 22 s
